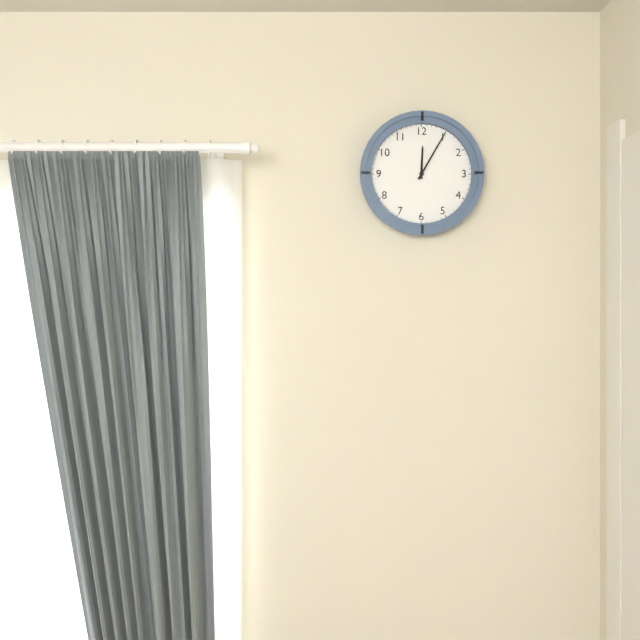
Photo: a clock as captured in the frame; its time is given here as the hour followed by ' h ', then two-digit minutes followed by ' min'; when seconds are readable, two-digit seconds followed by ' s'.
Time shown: 12 h 05 min
